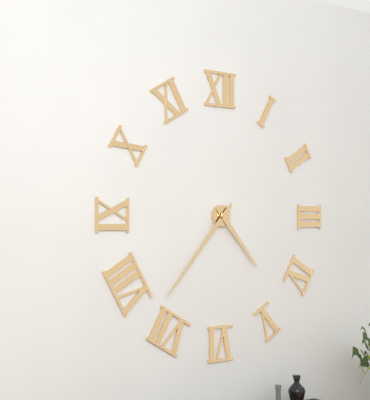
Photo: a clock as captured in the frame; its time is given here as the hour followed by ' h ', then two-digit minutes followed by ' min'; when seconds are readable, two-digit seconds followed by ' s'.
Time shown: 4 h 37 min
